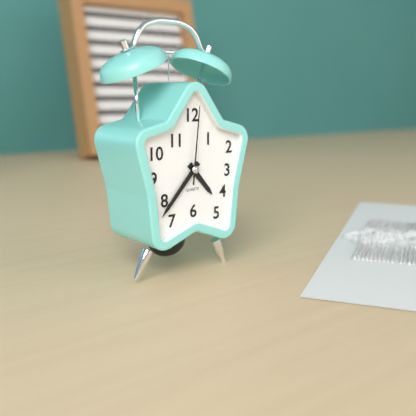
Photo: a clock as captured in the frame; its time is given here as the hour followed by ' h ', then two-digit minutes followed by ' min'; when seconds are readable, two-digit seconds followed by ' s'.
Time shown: 4 h 37 min 01 s
